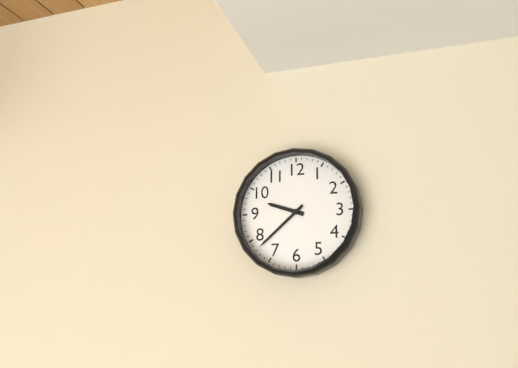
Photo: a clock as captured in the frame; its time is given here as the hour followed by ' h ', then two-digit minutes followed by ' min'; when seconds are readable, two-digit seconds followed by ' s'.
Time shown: 9 h 38 min
